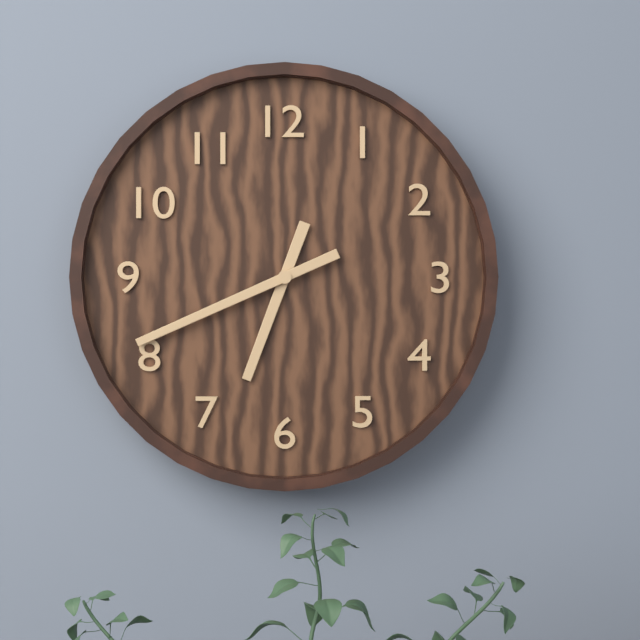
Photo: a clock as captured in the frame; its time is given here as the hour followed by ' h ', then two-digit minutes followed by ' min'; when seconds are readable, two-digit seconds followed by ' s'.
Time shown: 6 h 41 min
